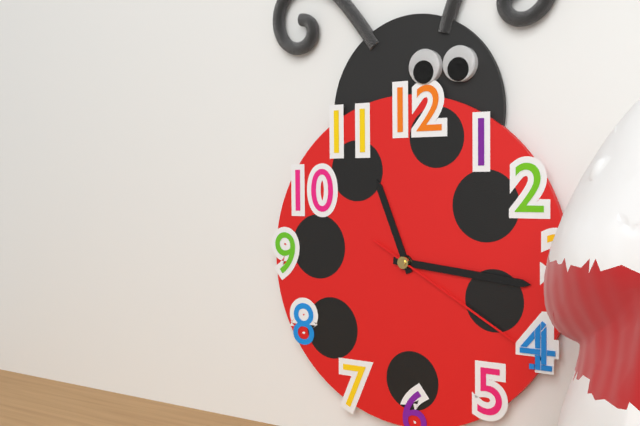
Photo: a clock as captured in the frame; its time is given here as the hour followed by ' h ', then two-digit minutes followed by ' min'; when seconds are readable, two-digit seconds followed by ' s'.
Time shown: 11 h 16 min 20 s
